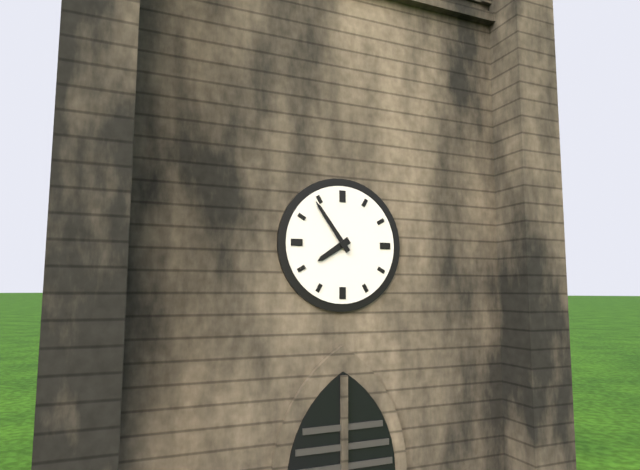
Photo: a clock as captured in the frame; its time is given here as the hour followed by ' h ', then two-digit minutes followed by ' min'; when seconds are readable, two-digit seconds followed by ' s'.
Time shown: 7 h 54 min
